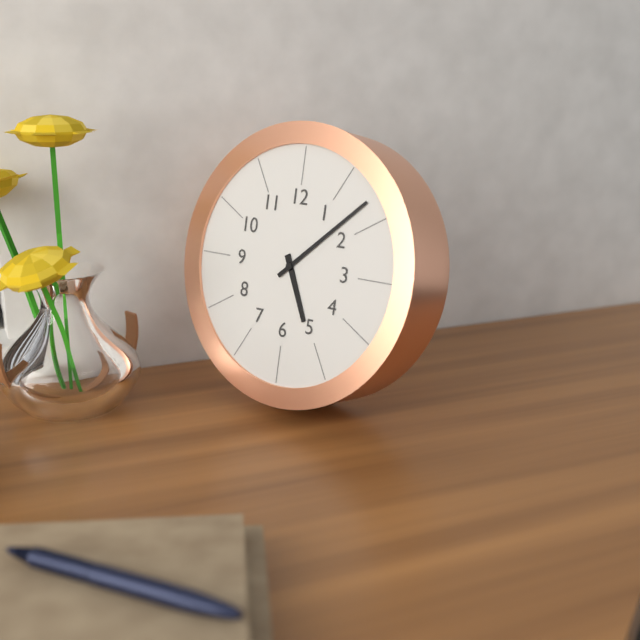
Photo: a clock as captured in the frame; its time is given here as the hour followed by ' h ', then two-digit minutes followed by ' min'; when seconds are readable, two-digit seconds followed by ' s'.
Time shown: 5 h 08 min
